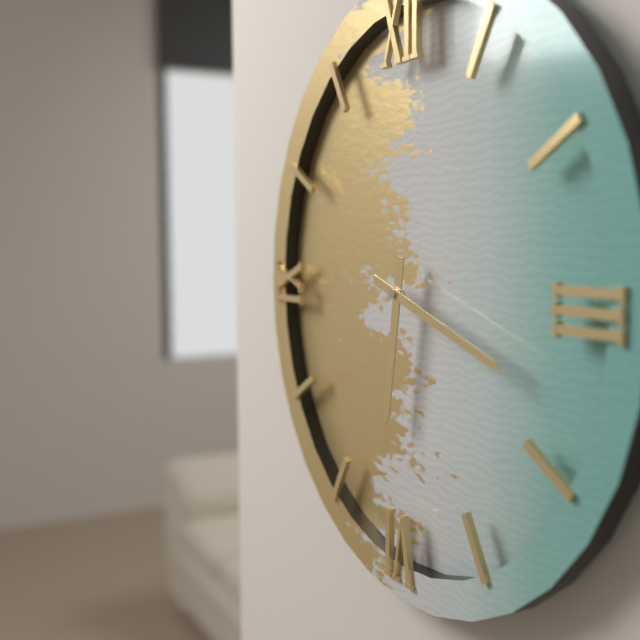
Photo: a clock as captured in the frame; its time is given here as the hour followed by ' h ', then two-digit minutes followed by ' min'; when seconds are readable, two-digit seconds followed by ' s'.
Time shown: 6 h 18 min
